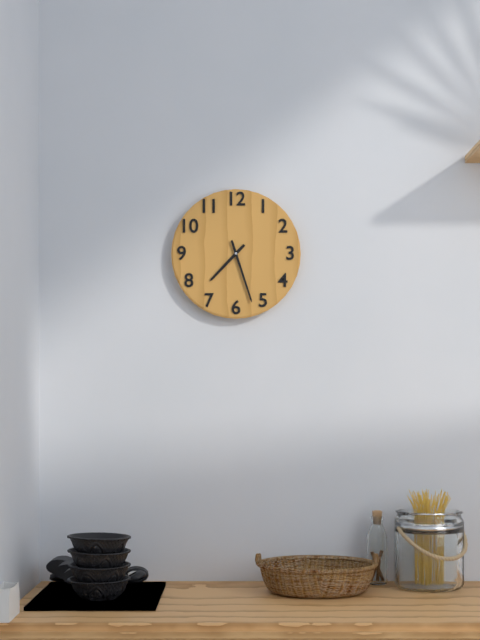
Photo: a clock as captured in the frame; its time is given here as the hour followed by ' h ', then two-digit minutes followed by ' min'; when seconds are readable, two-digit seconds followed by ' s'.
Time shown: 7 h 27 min
